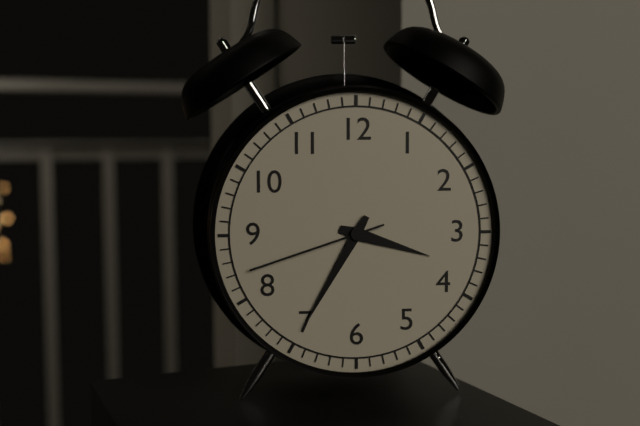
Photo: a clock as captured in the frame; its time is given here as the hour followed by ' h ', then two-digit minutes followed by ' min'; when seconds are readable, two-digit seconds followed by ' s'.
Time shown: 3 h 35 min 42 s
